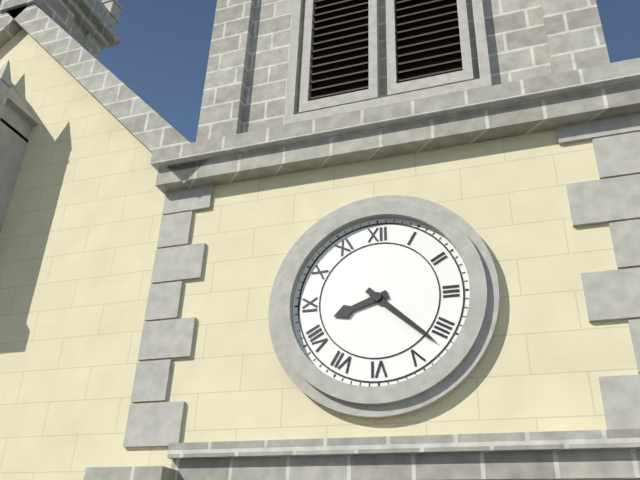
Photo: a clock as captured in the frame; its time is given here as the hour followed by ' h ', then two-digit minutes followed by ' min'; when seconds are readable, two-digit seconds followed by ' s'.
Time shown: 8 h 22 min
